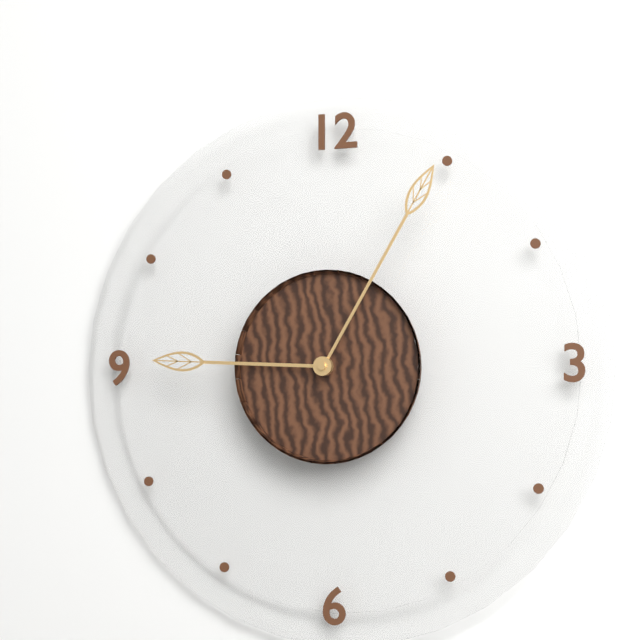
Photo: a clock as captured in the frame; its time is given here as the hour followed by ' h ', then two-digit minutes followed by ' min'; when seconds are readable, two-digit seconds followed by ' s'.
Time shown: 9 h 05 min
